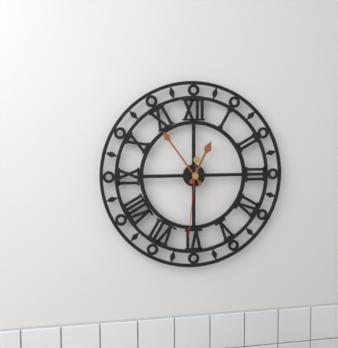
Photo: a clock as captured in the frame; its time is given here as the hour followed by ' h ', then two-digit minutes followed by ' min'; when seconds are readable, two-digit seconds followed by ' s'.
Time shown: 12 h 54 min 31 s
